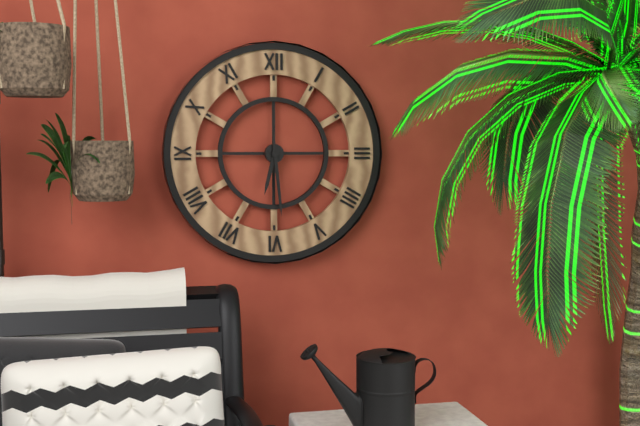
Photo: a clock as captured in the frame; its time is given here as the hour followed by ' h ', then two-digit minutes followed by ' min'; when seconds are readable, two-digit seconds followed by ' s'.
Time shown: 6 h 29 min
